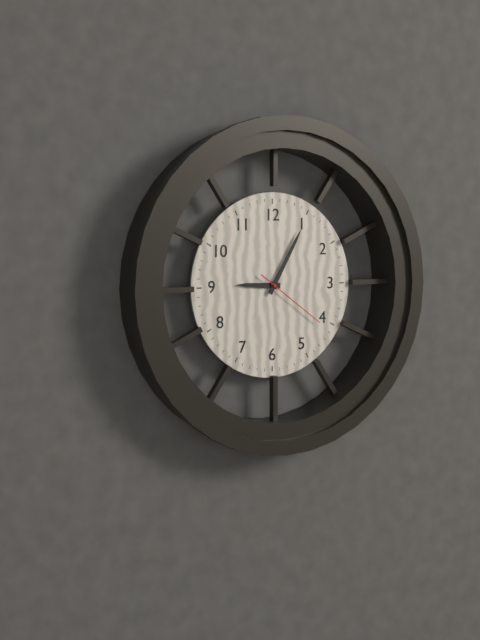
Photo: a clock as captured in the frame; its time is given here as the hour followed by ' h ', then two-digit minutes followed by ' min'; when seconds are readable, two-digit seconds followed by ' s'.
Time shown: 9 h 05 min 21 s
